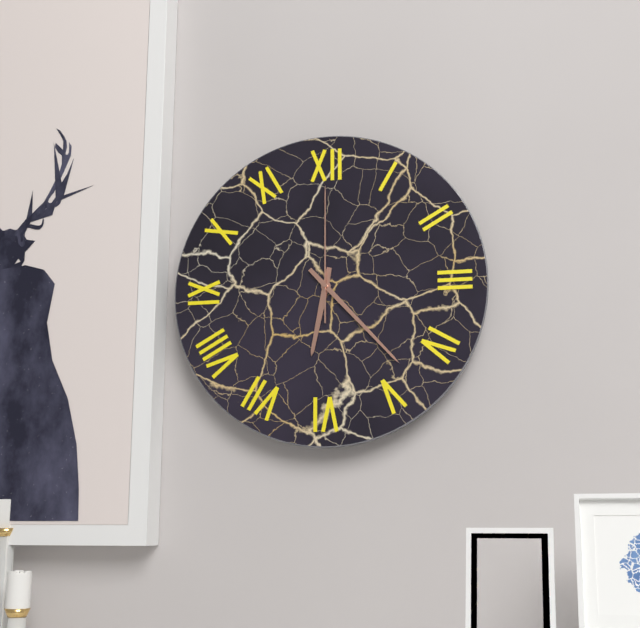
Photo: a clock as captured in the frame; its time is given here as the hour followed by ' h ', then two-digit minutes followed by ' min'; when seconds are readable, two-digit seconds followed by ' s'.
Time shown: 6 h 23 min 00 s
